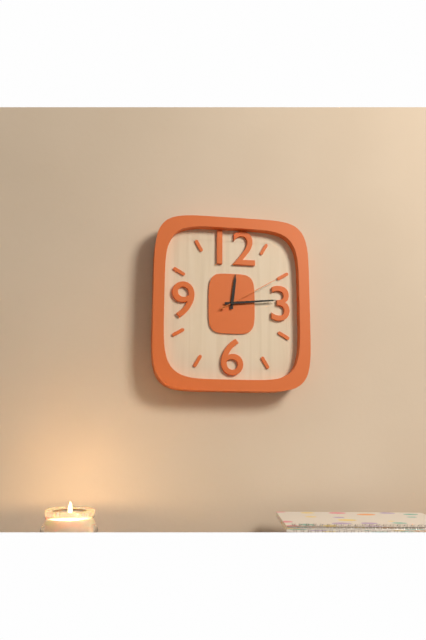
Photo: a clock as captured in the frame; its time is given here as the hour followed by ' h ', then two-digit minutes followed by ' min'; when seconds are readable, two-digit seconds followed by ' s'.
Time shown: 12 h 14 min 10 s
